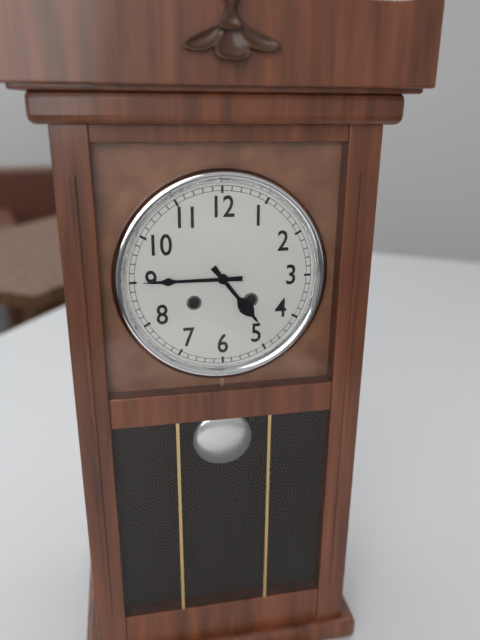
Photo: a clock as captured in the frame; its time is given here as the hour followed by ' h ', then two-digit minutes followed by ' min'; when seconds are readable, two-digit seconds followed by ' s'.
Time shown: 4 h 45 min
